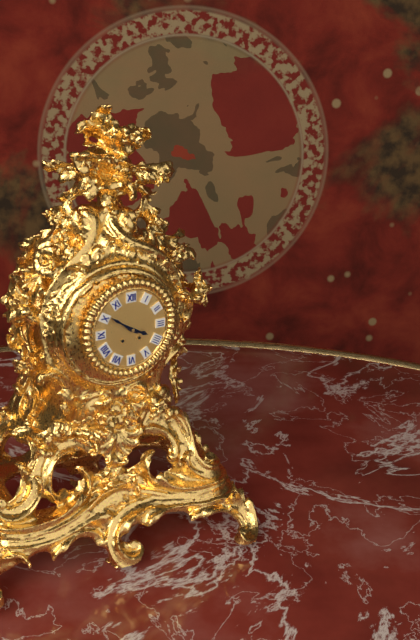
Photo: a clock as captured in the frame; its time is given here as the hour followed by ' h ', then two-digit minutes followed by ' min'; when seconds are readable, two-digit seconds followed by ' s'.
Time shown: 3 h 51 min
